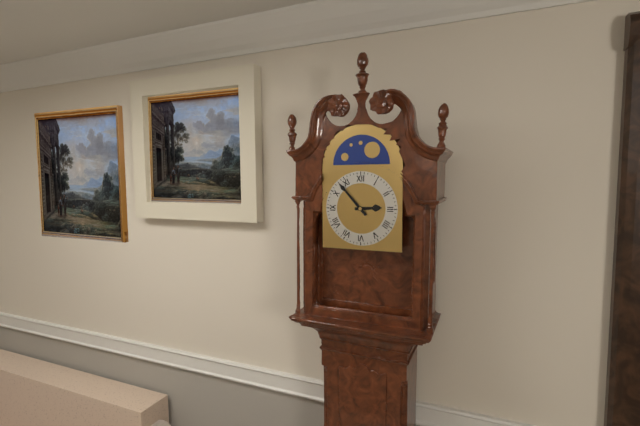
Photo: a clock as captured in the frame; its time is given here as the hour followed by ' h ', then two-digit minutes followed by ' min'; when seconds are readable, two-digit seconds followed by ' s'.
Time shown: 2 h 53 min
